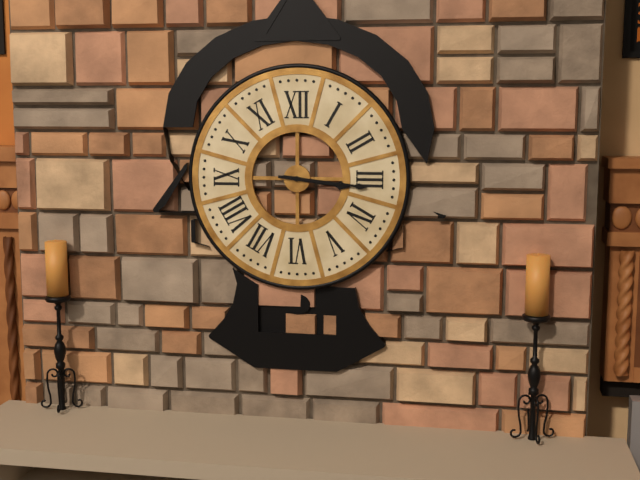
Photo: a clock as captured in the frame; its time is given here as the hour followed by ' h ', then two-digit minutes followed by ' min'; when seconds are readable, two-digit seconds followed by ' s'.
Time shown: 3 h 16 min
